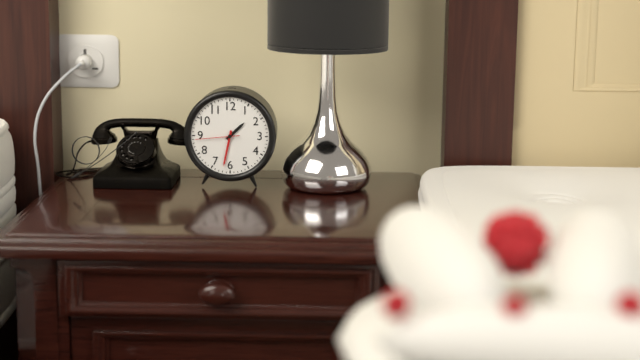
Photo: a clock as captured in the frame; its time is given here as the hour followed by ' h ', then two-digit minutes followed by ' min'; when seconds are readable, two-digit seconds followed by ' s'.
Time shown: 1 h 32 min
